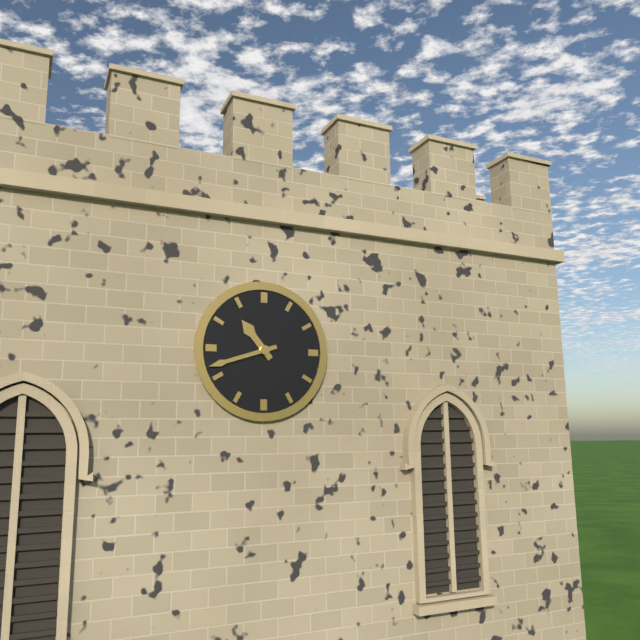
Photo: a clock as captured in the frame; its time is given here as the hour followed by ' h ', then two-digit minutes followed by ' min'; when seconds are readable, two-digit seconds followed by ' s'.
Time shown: 10 h 42 min
